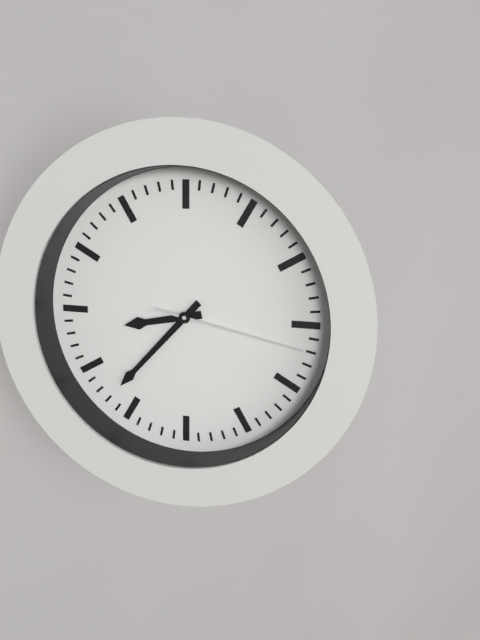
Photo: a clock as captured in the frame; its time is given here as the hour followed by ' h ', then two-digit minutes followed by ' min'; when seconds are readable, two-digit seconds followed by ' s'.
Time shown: 8 h 37 min 17 s
